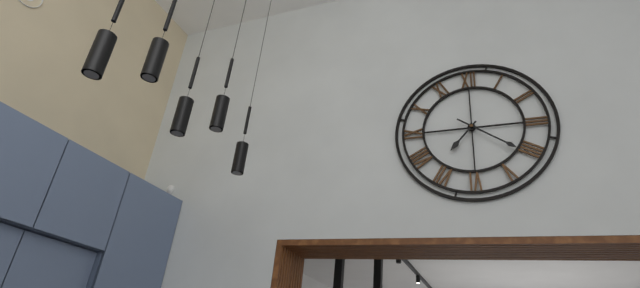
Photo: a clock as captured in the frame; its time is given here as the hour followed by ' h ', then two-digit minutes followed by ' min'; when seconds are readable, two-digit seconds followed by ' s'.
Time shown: 7 h 21 min
